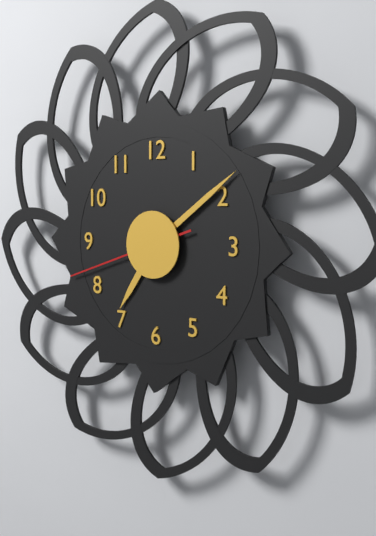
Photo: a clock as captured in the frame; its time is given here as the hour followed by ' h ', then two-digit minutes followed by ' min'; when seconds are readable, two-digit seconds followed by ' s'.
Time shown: 7 h 09 min 42 s
